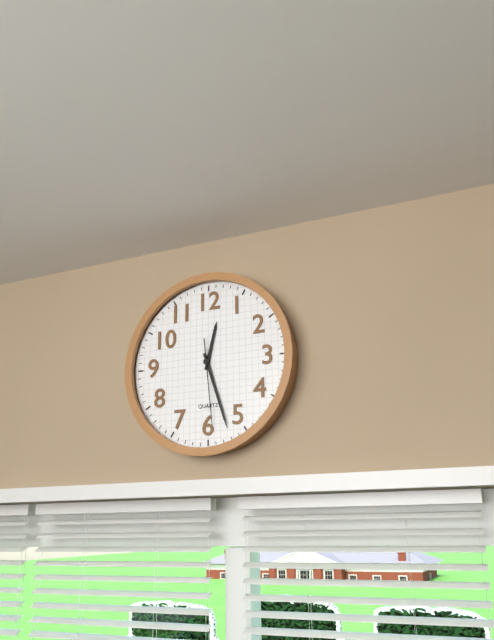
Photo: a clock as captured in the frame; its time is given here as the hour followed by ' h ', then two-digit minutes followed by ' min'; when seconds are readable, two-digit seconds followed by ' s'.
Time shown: 12 h 27 min 29 s
